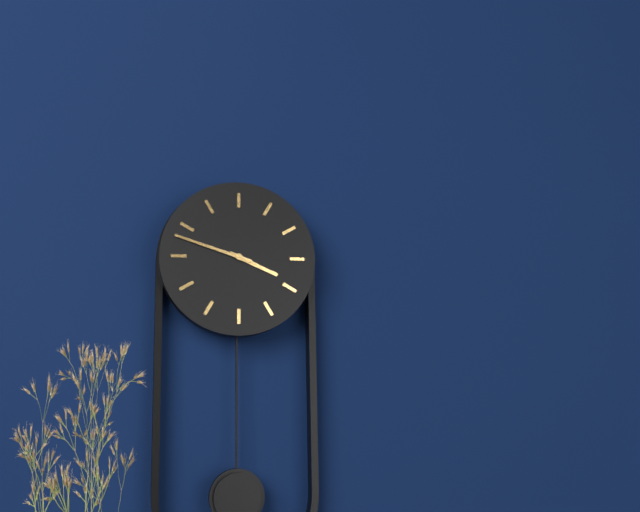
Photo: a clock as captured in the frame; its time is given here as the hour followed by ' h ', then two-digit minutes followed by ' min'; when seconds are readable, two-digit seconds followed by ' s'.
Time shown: 3 h 48 min
